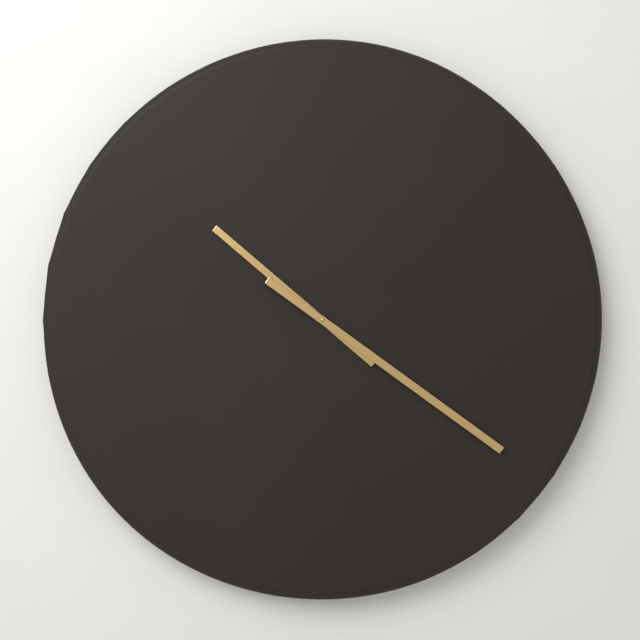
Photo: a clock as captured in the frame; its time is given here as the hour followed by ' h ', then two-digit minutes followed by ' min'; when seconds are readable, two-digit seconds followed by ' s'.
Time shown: 10 h 21 min
